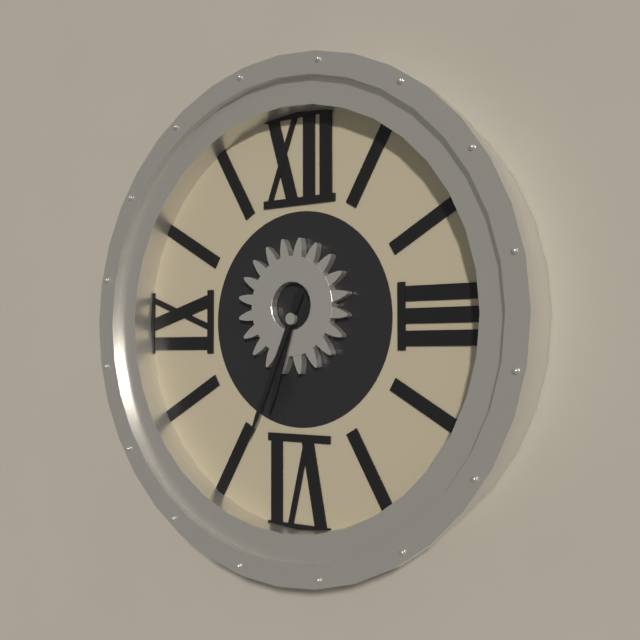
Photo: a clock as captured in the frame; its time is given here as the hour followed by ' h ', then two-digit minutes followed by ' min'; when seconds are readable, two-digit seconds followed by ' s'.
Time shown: 6 h 34 min
